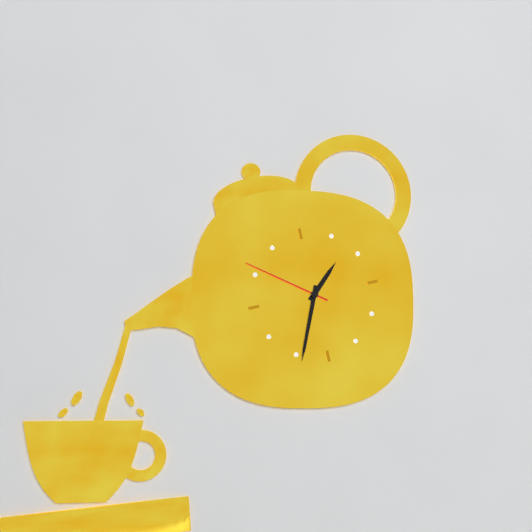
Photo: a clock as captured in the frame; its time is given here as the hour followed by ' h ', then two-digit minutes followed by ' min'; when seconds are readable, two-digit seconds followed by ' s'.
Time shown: 1 h 34 min 51 s
